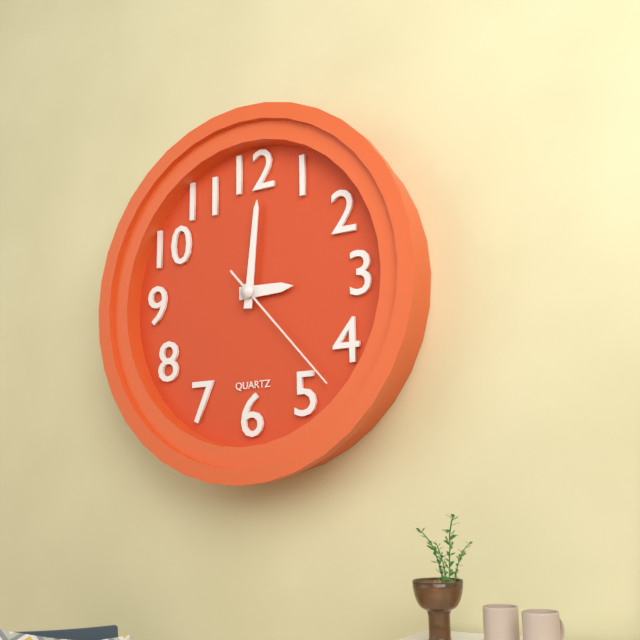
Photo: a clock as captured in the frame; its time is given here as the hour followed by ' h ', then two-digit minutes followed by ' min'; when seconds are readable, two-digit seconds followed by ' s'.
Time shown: 3 h 01 min 23 s
